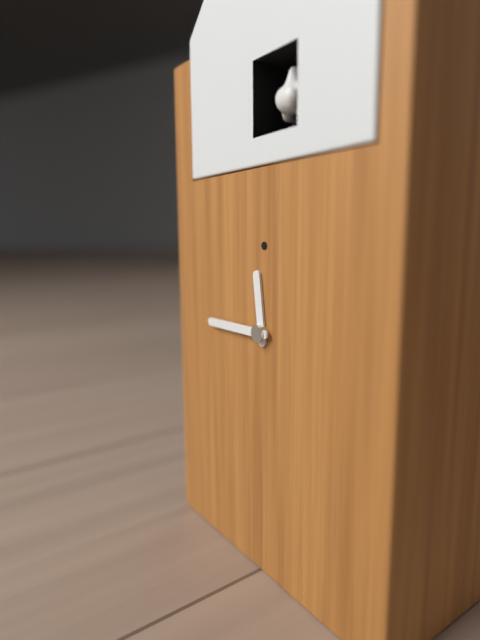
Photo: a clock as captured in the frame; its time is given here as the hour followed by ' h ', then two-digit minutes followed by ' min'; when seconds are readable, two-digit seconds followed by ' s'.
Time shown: 11 h 45 min
